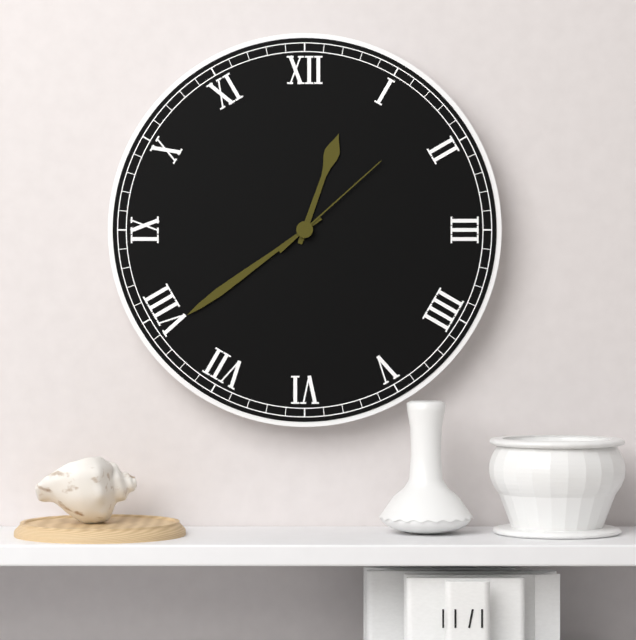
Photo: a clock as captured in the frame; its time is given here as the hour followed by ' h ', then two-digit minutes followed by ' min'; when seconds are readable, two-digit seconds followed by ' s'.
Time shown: 12 h 39 min 08 s
